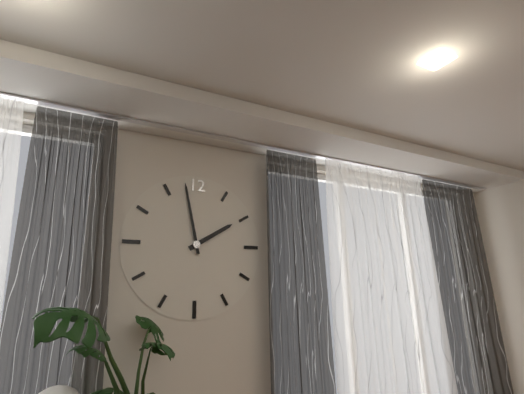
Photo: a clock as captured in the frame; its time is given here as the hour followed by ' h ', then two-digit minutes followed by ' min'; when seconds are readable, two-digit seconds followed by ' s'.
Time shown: 1 h 58 min
